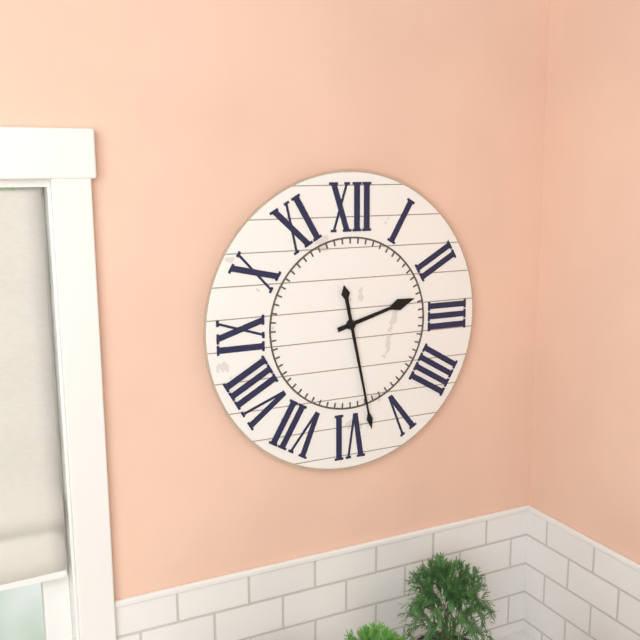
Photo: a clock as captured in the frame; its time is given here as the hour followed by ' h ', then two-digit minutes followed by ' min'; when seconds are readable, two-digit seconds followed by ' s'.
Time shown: 2 h 28 min
